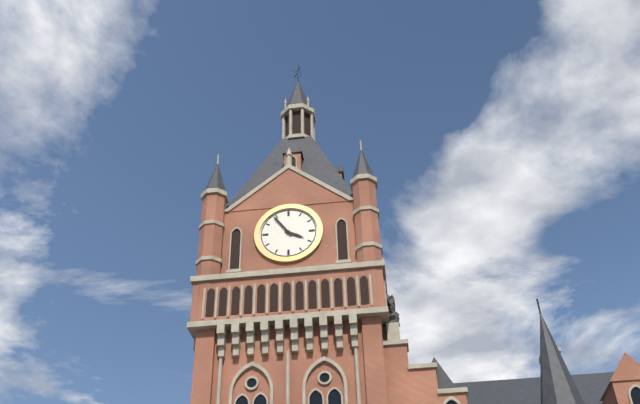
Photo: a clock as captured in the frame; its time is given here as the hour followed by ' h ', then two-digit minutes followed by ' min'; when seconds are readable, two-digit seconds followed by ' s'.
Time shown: 3 h 54 min
